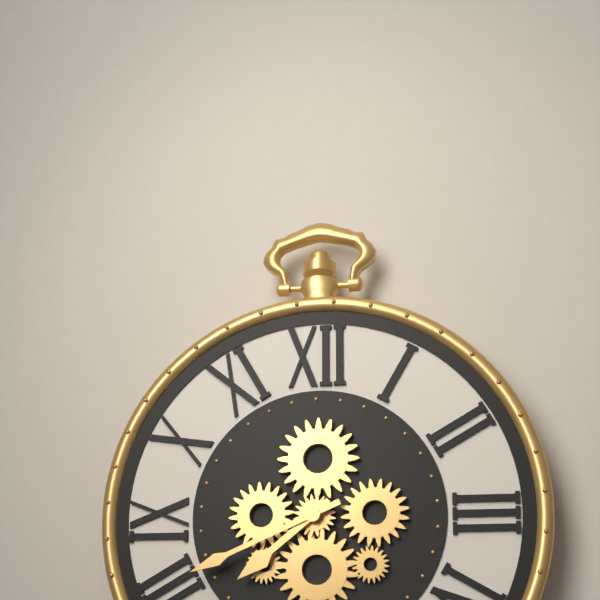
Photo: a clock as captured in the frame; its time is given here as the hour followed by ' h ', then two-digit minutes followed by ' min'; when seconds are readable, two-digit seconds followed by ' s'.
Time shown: 7 h 41 min
